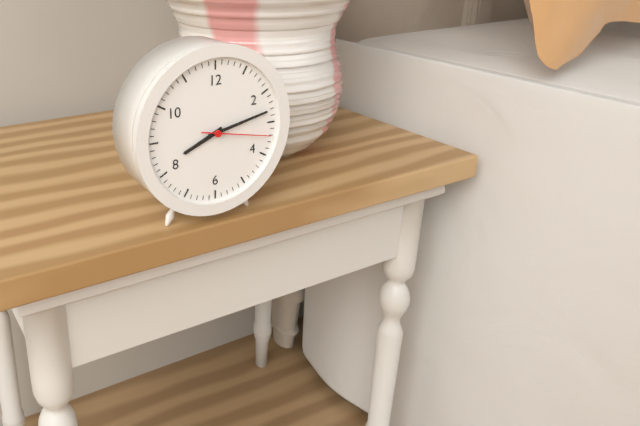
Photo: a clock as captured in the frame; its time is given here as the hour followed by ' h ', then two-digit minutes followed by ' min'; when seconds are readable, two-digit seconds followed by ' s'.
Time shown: 8 h 13 min 17 s
